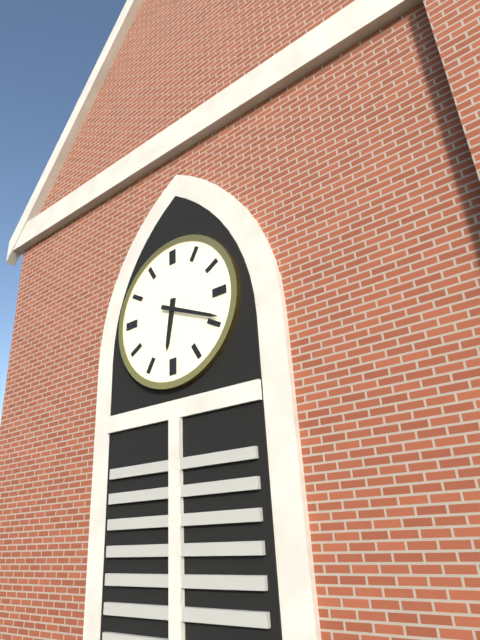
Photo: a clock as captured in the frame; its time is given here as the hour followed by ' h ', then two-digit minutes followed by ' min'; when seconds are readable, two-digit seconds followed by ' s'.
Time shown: 6 h 19 min
